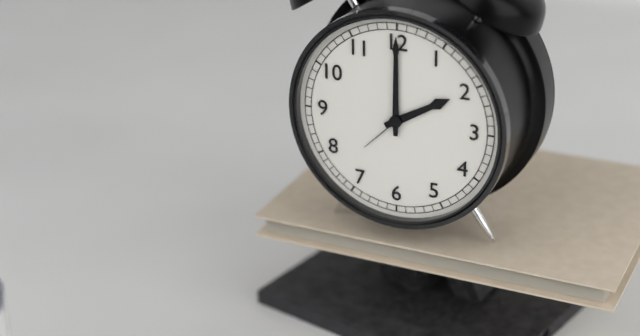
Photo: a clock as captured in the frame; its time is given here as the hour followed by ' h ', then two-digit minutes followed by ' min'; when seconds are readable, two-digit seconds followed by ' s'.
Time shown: 2 h 00 min
